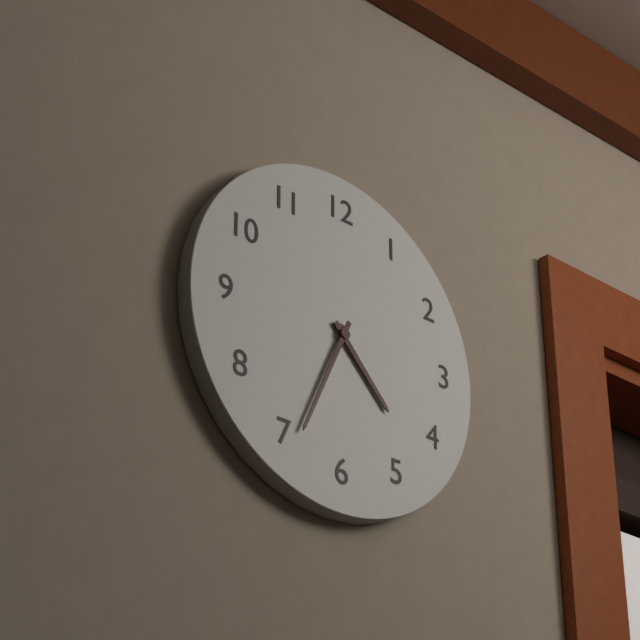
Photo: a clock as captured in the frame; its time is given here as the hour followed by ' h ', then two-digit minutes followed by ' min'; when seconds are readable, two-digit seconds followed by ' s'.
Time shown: 4 h 34 min
